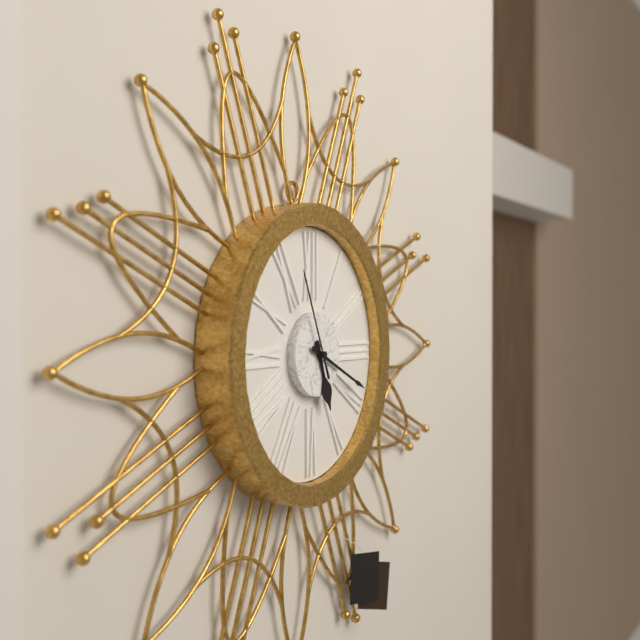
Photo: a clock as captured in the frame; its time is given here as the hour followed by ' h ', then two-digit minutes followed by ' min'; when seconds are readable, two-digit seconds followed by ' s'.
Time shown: 5 h 19 min 56 s
